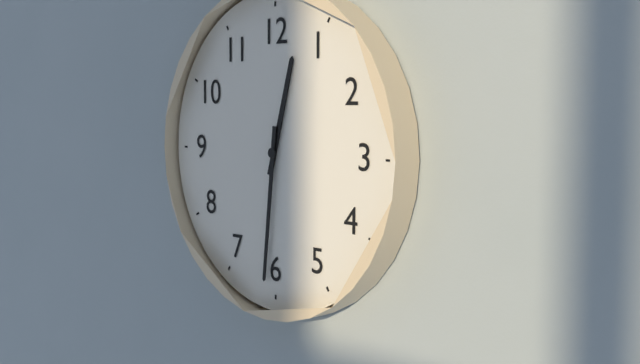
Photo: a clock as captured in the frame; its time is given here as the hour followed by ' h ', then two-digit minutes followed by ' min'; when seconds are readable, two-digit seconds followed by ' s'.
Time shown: 12 h 31 min
